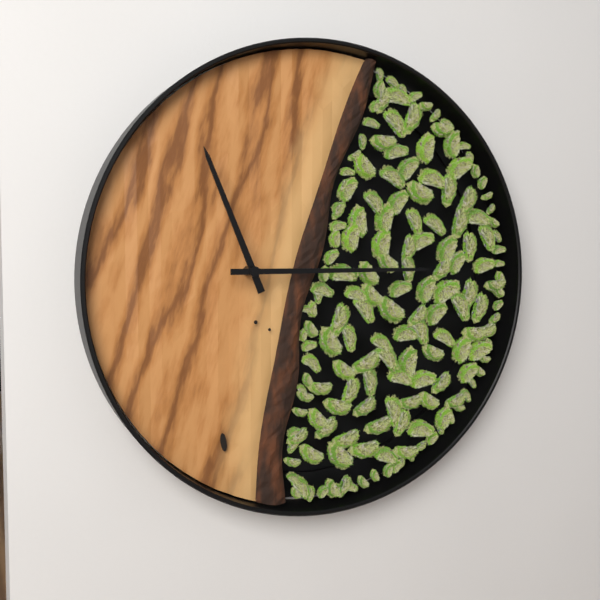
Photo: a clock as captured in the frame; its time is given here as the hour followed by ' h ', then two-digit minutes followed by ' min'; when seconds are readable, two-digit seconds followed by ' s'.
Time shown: 11 h 15 min
